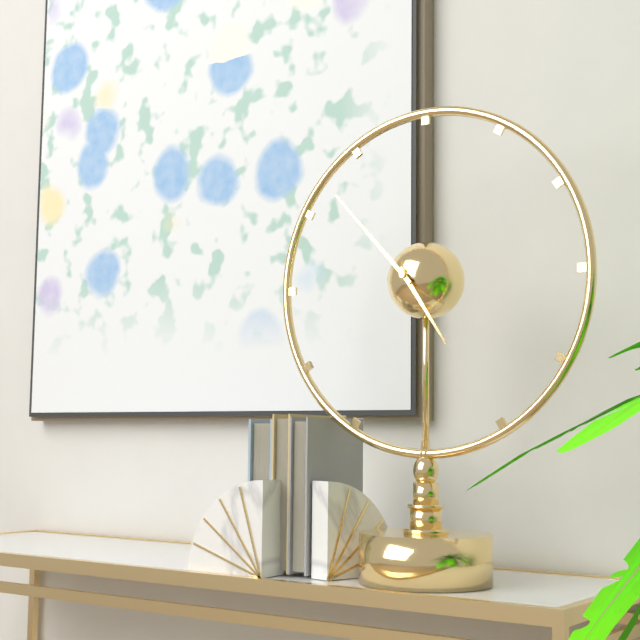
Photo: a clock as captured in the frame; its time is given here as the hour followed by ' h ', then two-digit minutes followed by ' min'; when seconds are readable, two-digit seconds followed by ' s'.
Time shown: 4 h 53 min
